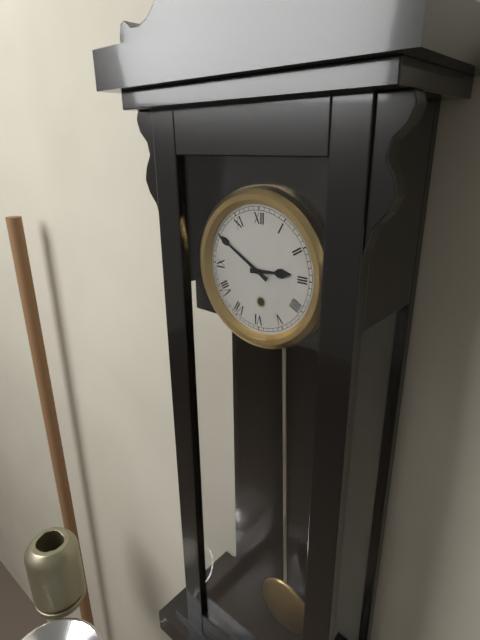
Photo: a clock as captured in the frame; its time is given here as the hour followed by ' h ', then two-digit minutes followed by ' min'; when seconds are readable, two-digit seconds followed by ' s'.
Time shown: 2 h 50 min
